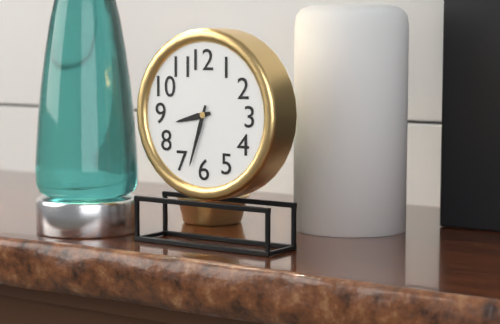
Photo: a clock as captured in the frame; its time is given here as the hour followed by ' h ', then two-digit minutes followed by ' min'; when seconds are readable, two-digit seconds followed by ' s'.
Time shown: 8 h 33 min
